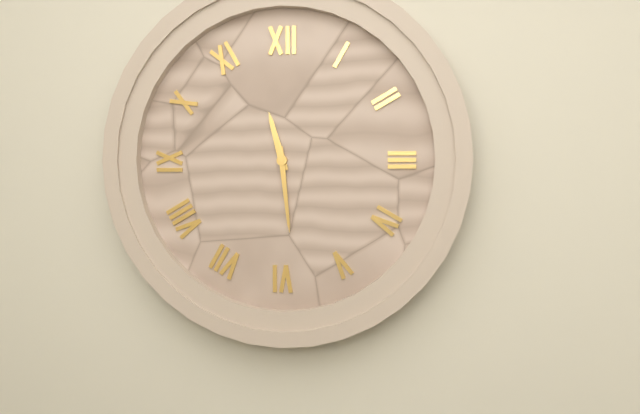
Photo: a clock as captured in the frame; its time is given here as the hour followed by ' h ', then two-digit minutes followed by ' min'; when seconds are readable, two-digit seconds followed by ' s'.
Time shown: 11 h 29 min
